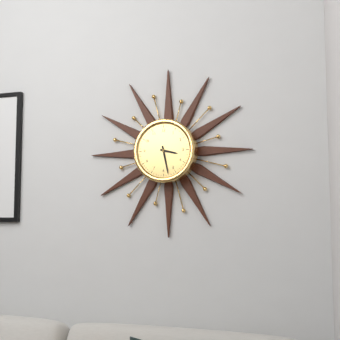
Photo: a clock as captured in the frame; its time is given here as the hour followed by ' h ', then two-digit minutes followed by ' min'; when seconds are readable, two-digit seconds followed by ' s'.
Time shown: 3 h 28 min
